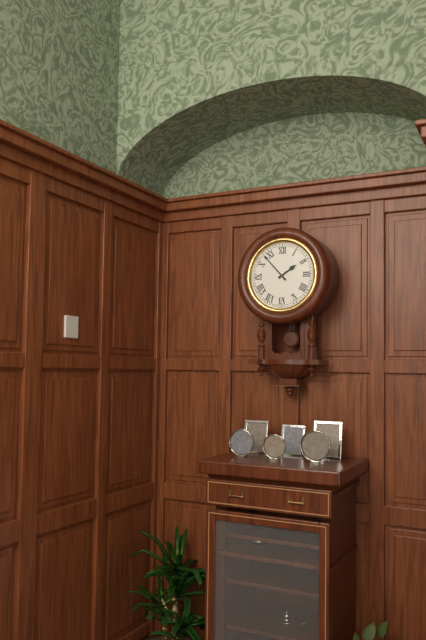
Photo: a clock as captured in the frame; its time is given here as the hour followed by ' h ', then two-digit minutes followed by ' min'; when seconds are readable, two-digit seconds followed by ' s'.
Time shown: 1 h 53 min
